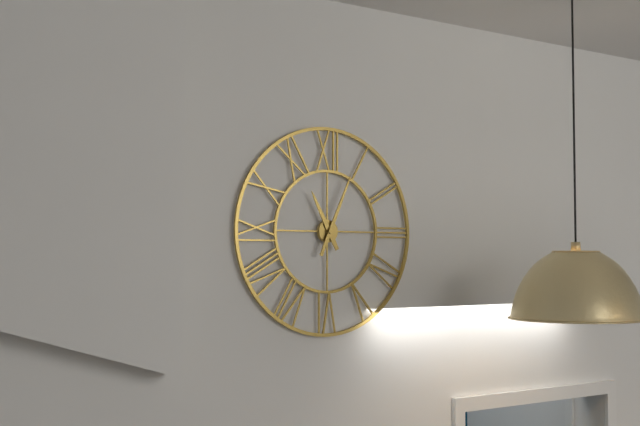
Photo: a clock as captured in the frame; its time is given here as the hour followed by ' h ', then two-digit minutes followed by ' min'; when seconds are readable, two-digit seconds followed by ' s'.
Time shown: 11 h 04 min
